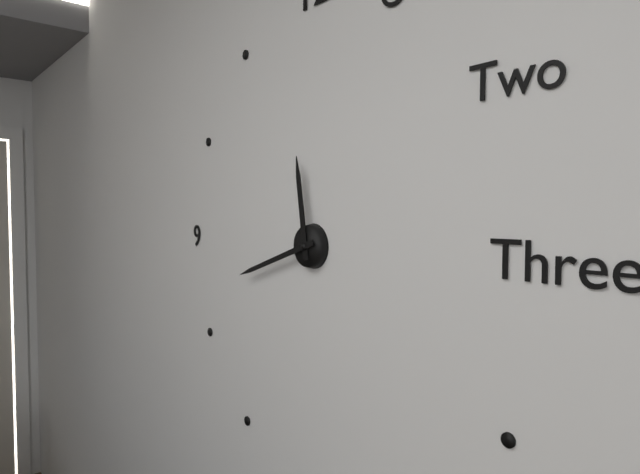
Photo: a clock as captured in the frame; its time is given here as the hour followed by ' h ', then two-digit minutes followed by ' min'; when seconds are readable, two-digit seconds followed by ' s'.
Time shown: 11 h 42 min
